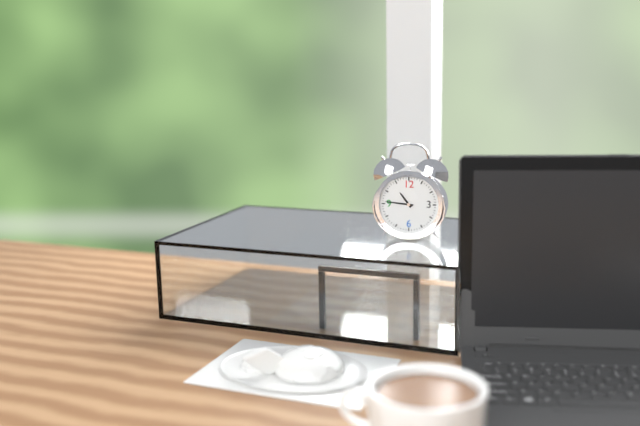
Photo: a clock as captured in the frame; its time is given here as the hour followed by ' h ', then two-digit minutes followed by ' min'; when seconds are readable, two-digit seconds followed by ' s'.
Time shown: 10 h 46 min
